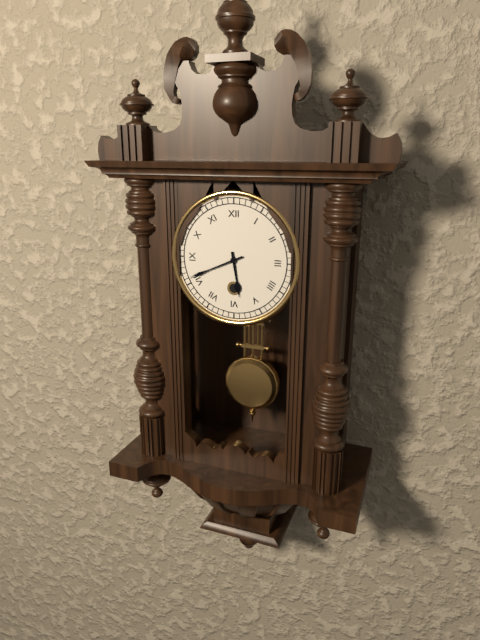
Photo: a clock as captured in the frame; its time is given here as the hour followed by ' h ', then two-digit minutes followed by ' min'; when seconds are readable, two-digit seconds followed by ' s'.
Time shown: 5 h 41 min
